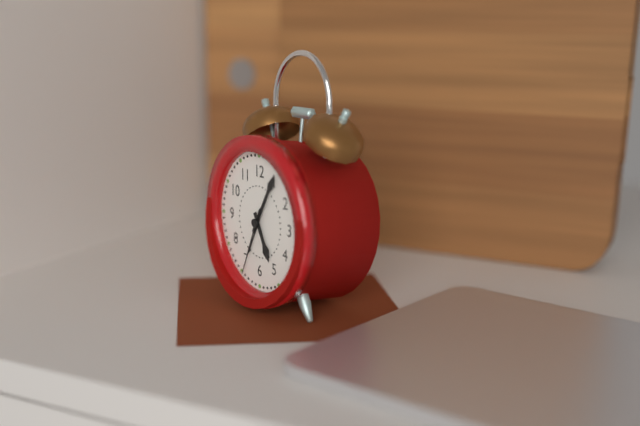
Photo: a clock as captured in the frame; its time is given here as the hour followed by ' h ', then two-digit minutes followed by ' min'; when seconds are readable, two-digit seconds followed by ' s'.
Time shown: 5 h 05 min 34 s
